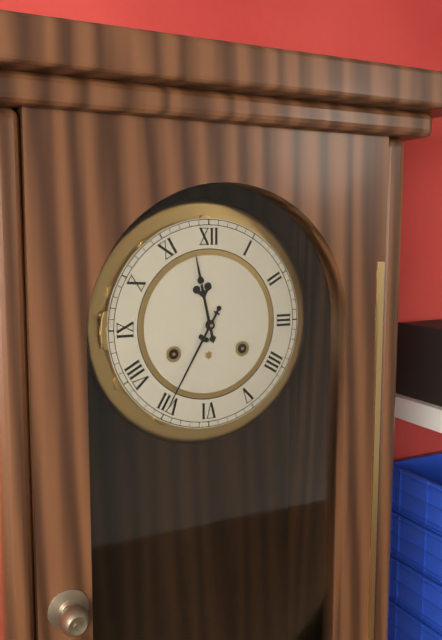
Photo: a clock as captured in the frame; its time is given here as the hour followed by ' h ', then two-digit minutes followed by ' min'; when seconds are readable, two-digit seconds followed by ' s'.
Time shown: 11 h 35 min
